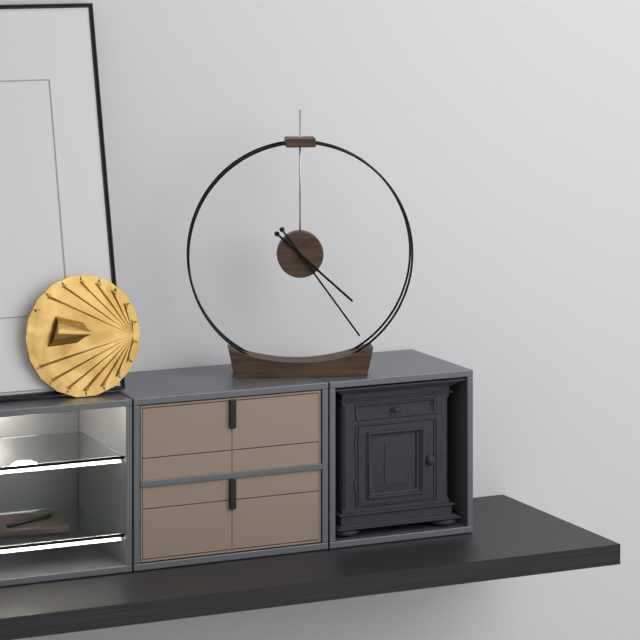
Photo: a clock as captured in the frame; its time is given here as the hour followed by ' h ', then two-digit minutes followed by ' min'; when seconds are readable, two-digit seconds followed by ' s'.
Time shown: 4 h 24 min
